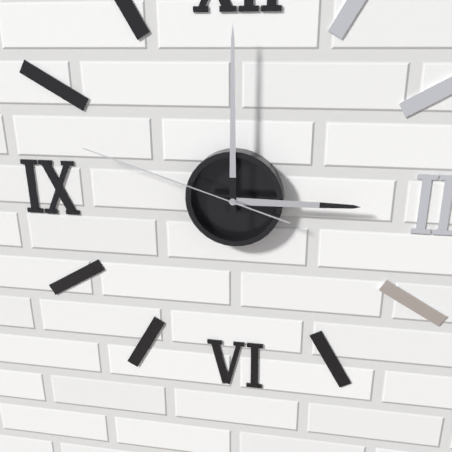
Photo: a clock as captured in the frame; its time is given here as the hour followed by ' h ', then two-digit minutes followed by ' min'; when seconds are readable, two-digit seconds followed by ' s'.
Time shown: 3 h 00 min 48 s
